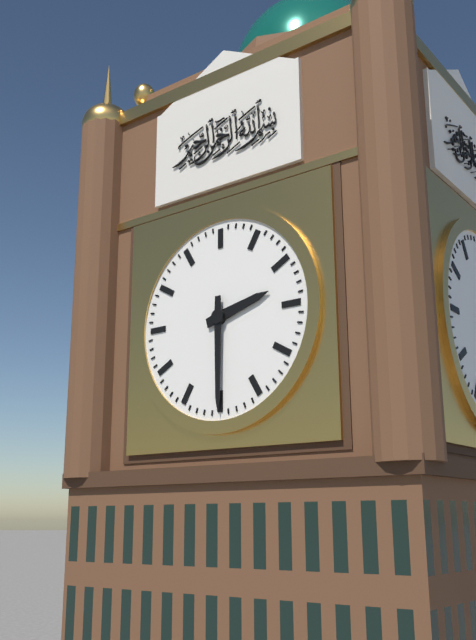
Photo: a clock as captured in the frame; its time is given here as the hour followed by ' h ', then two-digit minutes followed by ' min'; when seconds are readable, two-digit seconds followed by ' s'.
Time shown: 2 h 30 min
